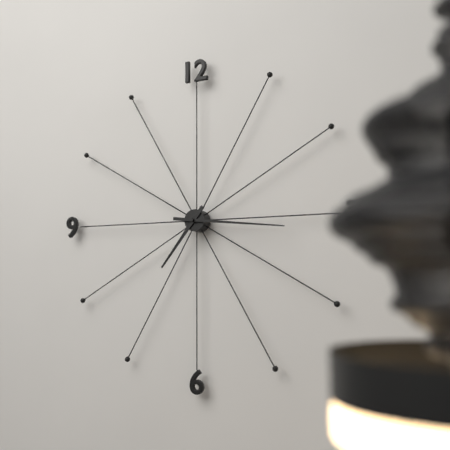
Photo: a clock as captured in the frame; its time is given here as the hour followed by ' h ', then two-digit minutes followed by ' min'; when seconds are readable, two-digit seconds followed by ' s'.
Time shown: 7 h 16 min
